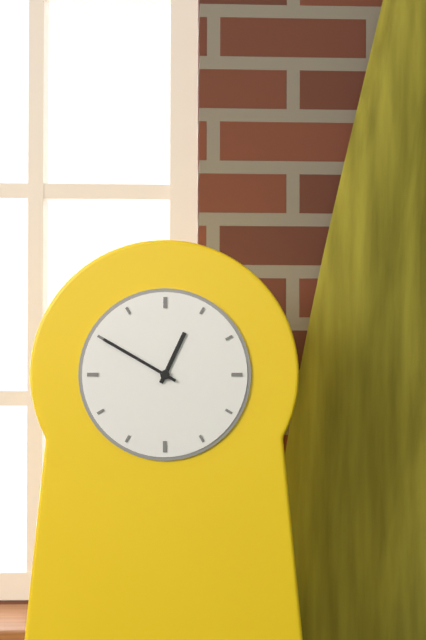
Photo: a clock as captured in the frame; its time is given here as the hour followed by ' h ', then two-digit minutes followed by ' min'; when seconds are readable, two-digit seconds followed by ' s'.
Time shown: 12 h 50 min
